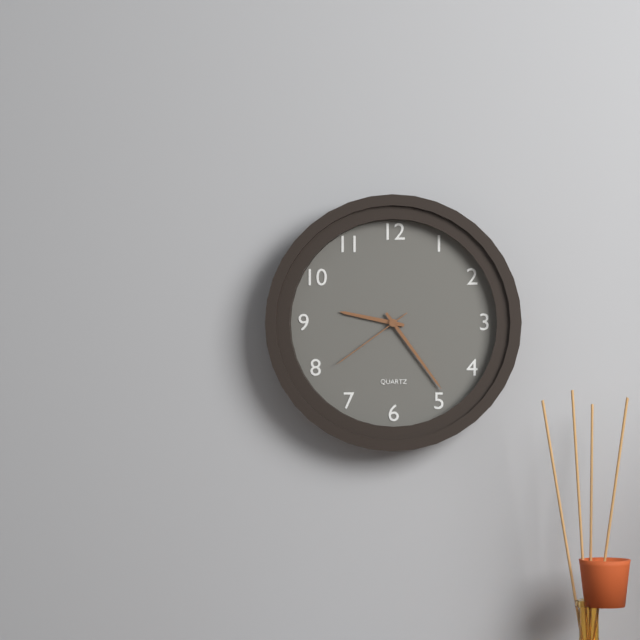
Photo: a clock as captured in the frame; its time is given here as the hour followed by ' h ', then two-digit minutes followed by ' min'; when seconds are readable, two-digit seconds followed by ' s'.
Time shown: 9 h 24 min 39 s
